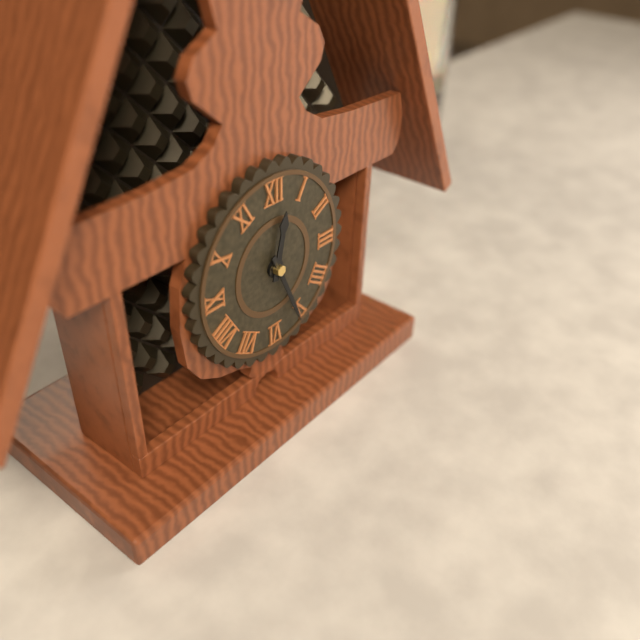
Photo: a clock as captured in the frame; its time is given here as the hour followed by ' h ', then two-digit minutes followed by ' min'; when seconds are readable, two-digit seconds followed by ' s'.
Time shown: 12 h 26 min
